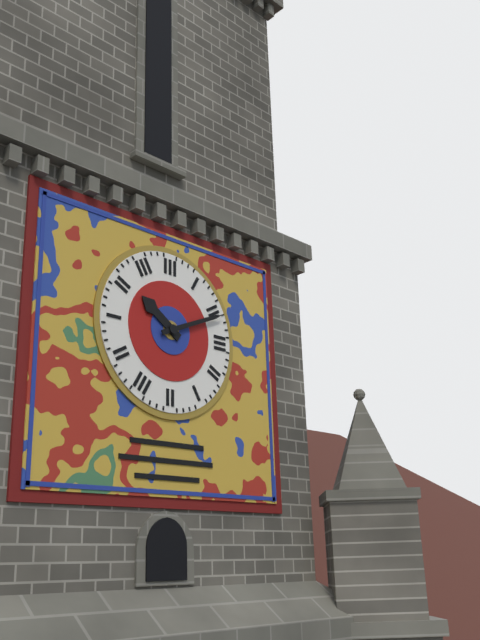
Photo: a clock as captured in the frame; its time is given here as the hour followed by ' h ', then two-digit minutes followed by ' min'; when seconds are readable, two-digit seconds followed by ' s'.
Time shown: 10 h 11 min
